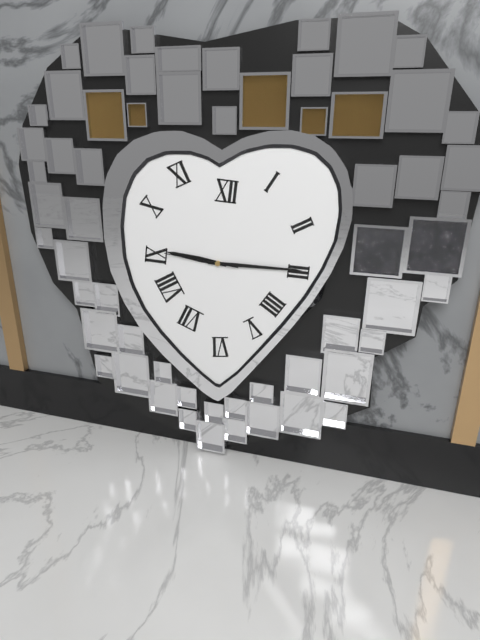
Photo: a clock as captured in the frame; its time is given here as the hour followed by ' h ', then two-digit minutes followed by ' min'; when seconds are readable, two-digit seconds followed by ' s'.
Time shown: 9 h 15 min 46 s
